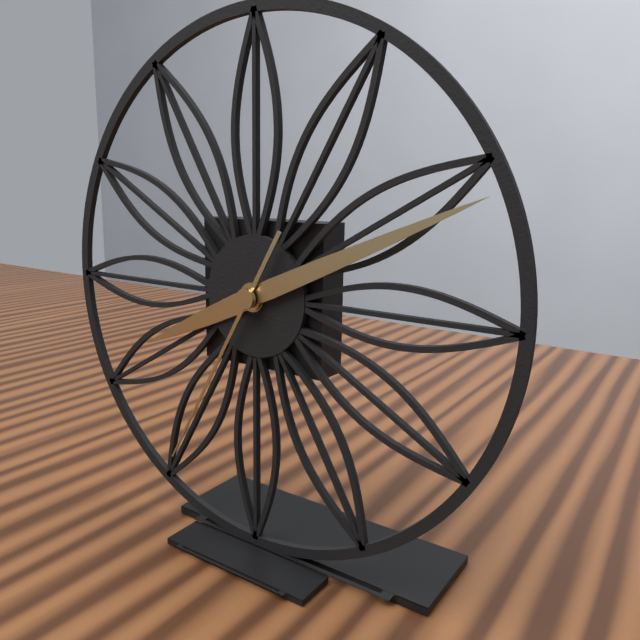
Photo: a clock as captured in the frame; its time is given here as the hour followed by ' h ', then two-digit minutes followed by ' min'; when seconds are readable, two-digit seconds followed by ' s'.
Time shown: 8 h 11 min 35 s
